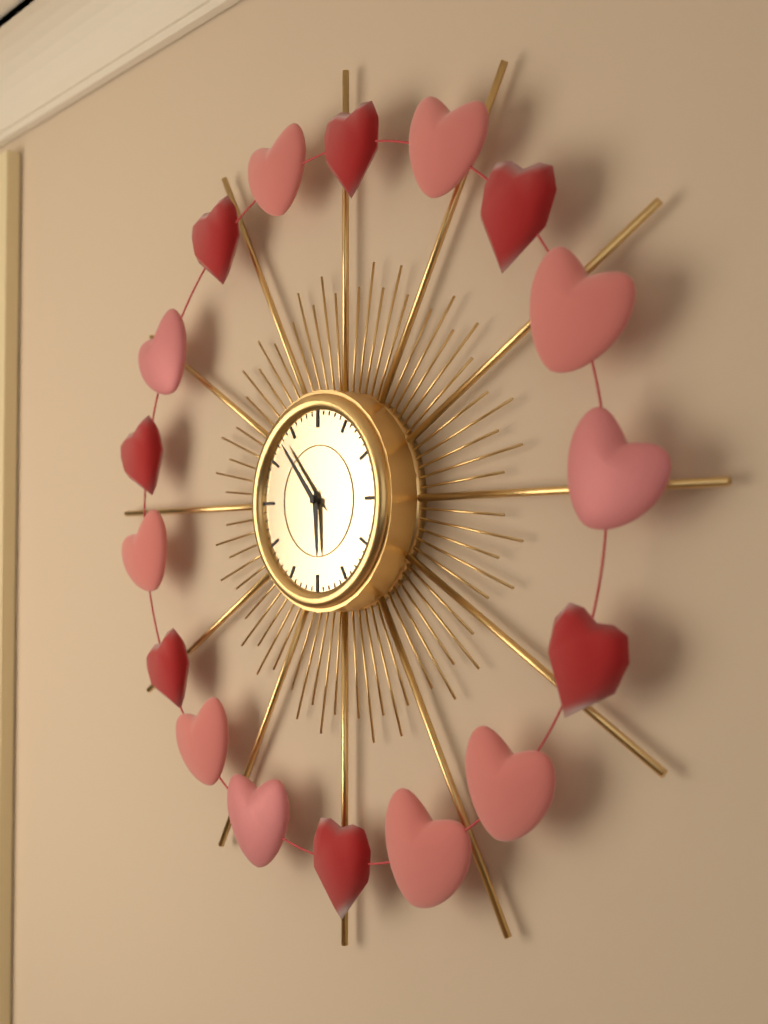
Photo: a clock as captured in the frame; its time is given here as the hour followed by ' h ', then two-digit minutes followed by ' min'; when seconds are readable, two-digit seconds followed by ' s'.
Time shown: 5 h 53 min
